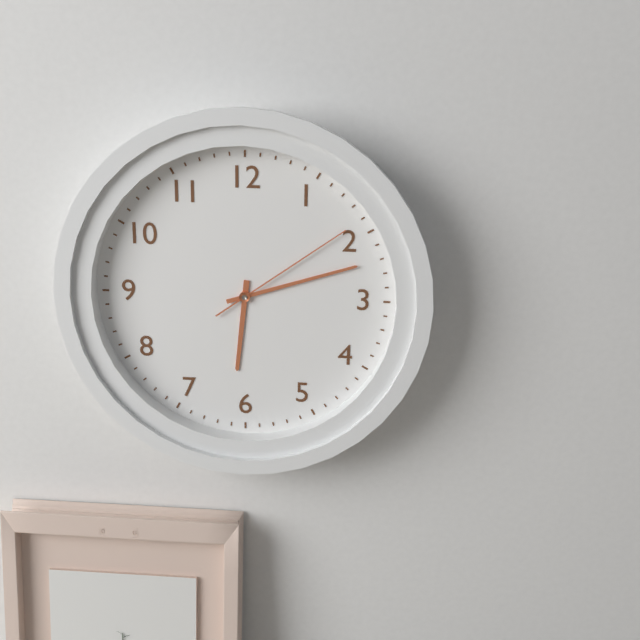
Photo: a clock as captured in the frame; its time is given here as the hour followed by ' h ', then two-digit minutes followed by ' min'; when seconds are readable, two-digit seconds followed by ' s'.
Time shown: 6 h 12 min 09 s
